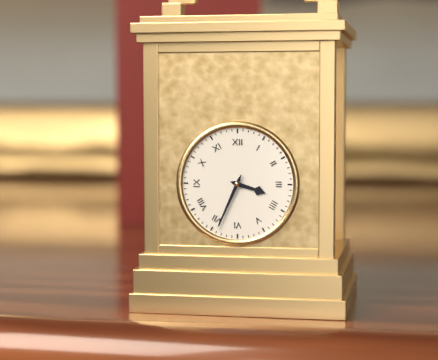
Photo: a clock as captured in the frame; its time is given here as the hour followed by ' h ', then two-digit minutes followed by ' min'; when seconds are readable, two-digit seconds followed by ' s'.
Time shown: 3 h 34 min
